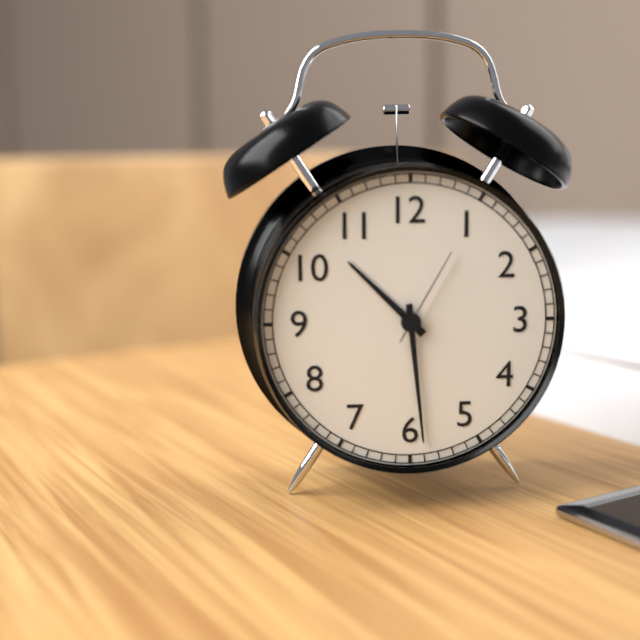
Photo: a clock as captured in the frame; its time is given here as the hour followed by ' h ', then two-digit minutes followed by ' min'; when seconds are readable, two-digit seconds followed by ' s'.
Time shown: 10 h 29 min 05 s
